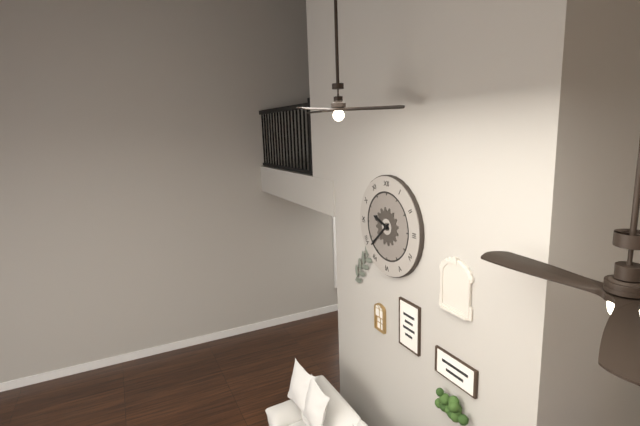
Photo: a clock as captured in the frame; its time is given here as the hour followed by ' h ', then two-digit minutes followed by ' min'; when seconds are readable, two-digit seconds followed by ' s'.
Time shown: 9 h 38 min
